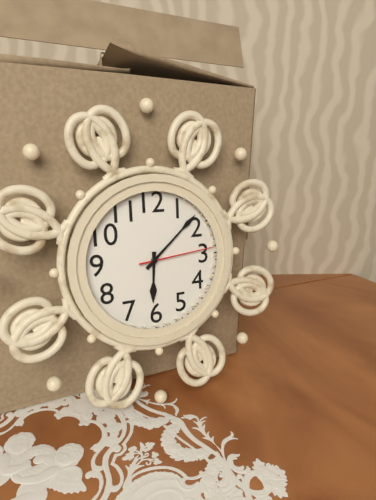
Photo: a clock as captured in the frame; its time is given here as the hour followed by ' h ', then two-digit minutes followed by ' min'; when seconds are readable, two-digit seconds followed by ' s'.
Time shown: 6 h 08 min 14 s
